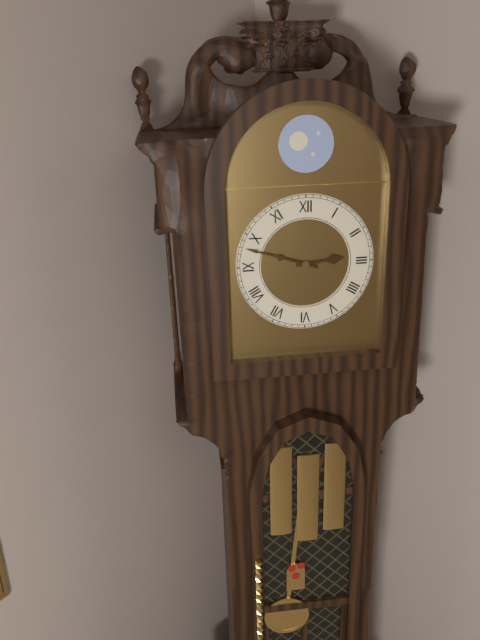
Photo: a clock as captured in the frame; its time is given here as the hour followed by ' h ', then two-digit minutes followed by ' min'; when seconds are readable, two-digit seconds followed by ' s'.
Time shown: 2 h 48 min
